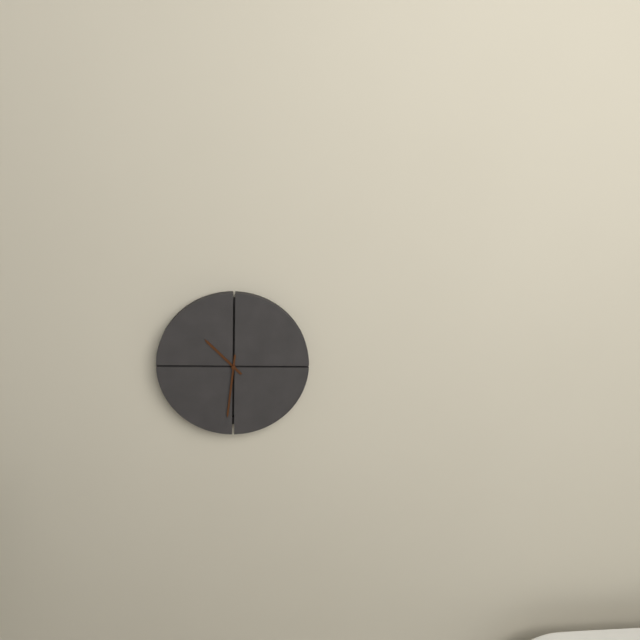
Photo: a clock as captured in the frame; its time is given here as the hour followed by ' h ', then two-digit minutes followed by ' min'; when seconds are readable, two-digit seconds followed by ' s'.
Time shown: 10 h 31 min
